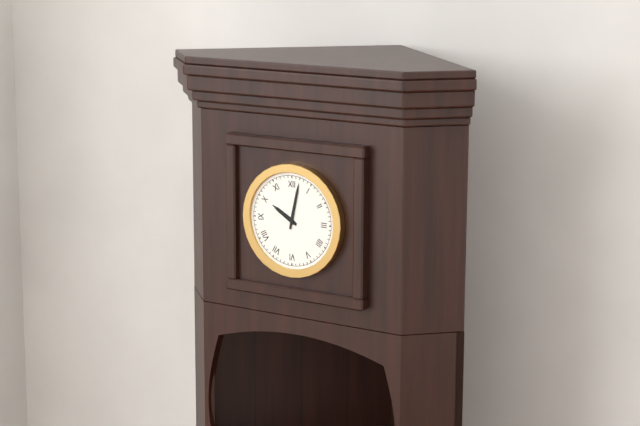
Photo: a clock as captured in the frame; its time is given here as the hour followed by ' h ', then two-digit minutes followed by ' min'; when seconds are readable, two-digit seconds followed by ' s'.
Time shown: 10 h 02 min
